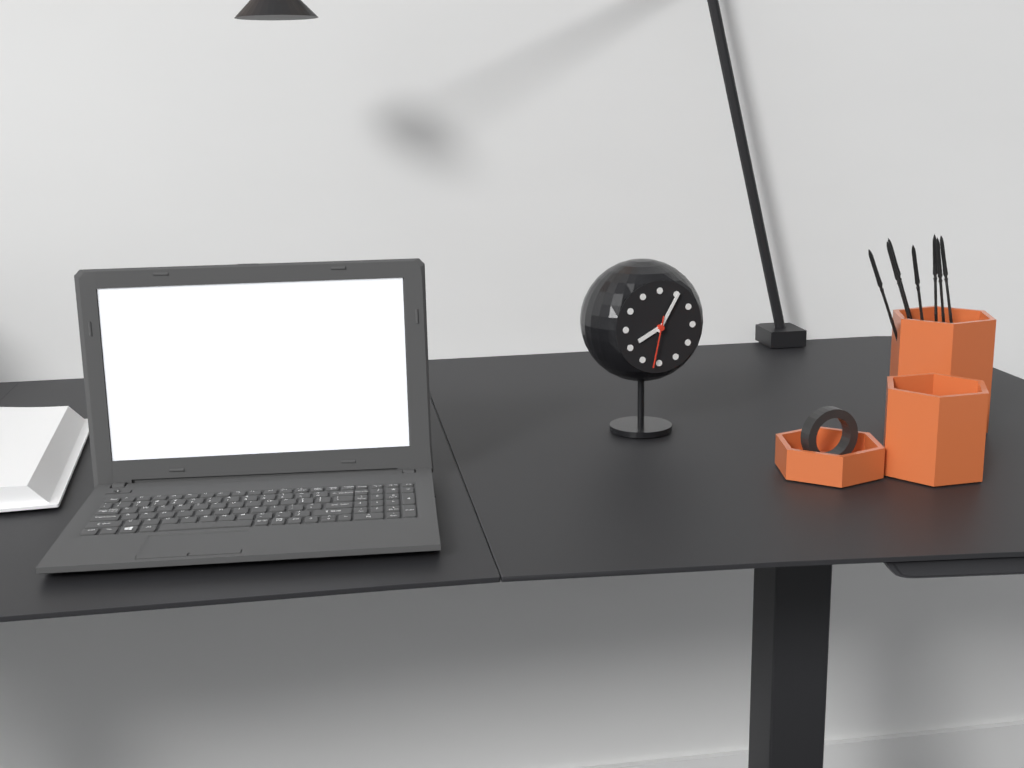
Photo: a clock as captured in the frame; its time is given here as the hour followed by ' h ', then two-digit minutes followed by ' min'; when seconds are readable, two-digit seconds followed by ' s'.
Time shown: 8 h 05 min 32 s
